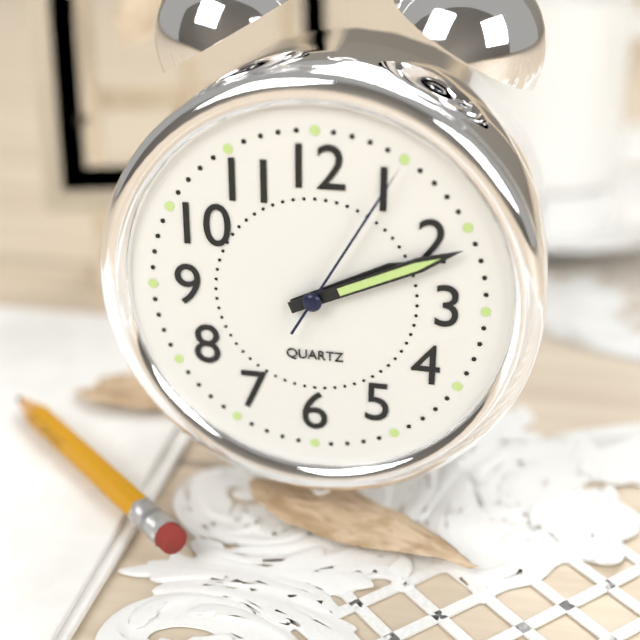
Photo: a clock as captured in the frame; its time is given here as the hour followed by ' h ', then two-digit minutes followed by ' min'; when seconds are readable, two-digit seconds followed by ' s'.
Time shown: 2 h 11 min 05 s
